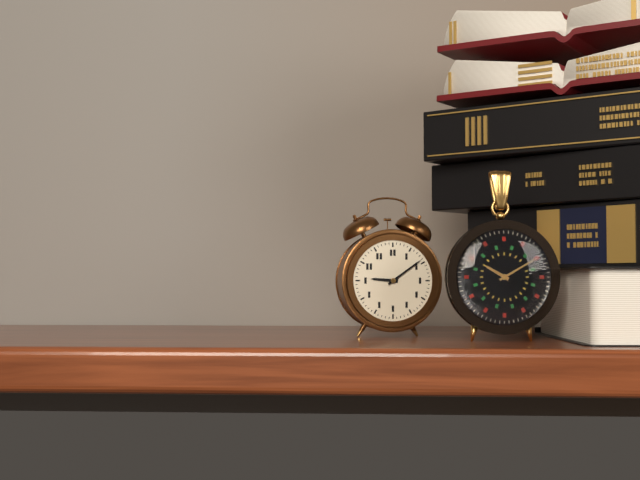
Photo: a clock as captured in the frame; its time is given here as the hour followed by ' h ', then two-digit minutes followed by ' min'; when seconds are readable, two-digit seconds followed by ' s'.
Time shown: 9 h 09 min
